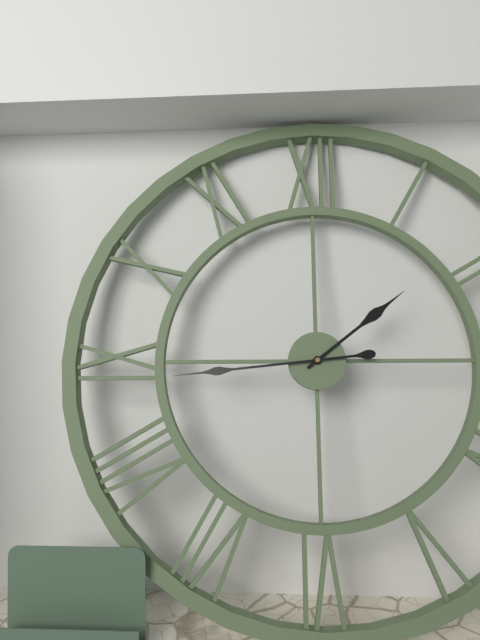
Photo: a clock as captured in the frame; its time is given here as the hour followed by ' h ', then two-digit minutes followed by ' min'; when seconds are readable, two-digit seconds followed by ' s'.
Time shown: 1 h 44 min
